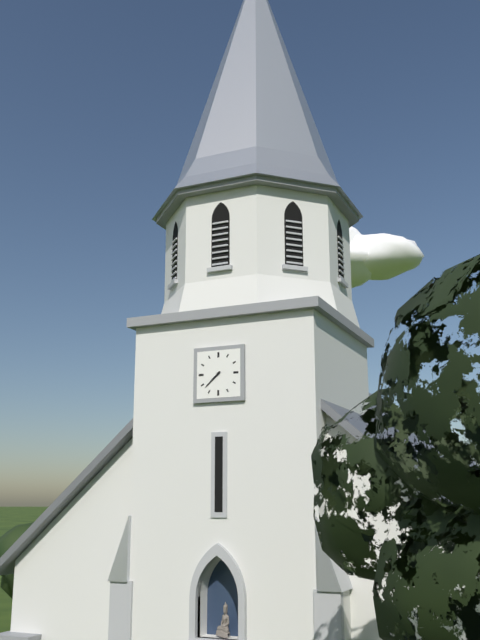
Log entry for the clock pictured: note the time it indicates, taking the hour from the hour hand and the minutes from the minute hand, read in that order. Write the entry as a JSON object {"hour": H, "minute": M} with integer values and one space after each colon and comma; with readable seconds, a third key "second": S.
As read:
{"hour": 7, "minute": 38}
